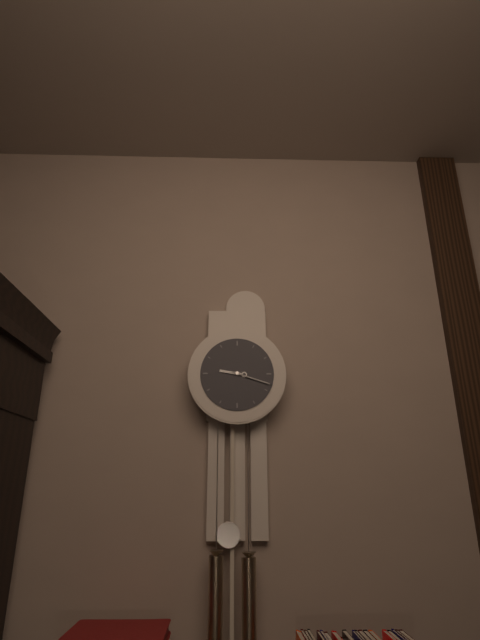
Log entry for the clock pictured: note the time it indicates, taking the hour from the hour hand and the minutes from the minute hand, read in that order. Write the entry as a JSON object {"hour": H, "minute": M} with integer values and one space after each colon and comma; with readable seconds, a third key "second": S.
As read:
{"hour": 9, "minute": 18}
